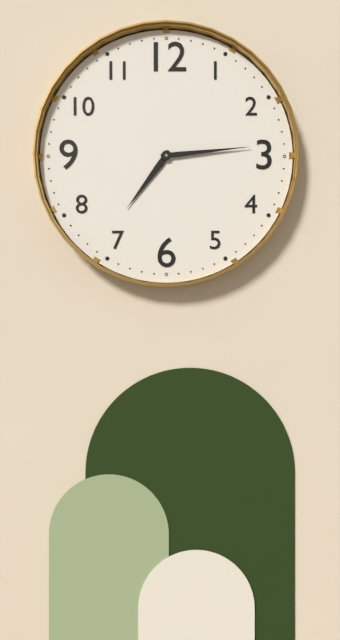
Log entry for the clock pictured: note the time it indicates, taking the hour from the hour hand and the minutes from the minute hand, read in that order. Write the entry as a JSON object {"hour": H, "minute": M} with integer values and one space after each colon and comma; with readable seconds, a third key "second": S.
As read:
{"hour": 7, "minute": 14}
